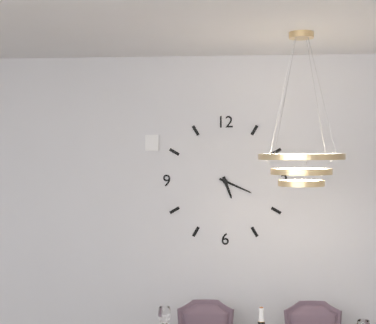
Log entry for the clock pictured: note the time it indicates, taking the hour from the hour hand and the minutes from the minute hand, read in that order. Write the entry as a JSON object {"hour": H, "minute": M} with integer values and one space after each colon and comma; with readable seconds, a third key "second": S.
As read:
{"hour": 5, "minute": 19}
